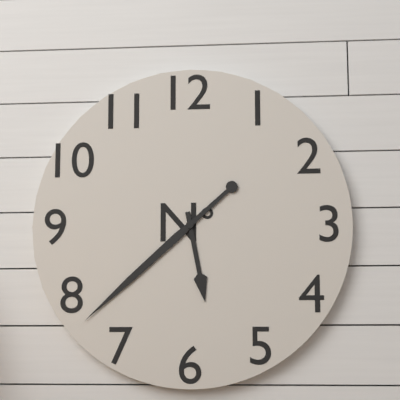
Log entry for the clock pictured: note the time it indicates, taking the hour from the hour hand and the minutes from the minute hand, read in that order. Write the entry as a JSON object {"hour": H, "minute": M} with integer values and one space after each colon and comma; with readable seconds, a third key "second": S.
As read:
{"hour": 5, "minute": 38}
